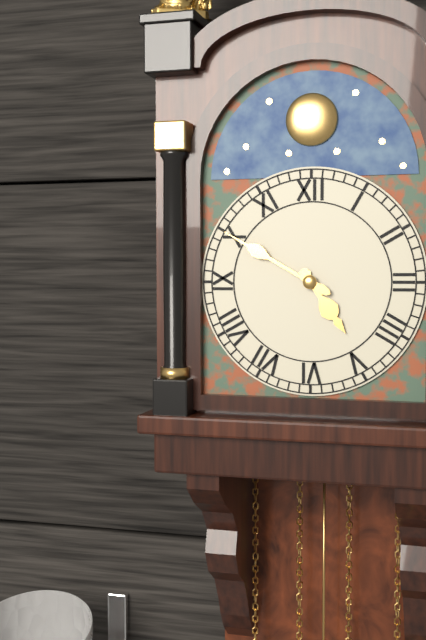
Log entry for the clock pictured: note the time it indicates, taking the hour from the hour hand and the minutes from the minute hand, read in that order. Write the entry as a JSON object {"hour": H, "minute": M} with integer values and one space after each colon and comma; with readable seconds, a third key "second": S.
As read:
{"hour": 4, "minute": 50}
